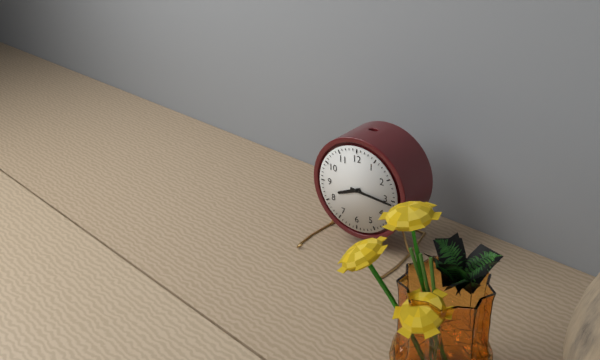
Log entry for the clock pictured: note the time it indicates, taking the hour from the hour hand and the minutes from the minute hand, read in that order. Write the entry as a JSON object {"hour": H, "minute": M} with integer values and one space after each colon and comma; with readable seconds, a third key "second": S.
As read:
{"hour": 8, "minute": 16}
